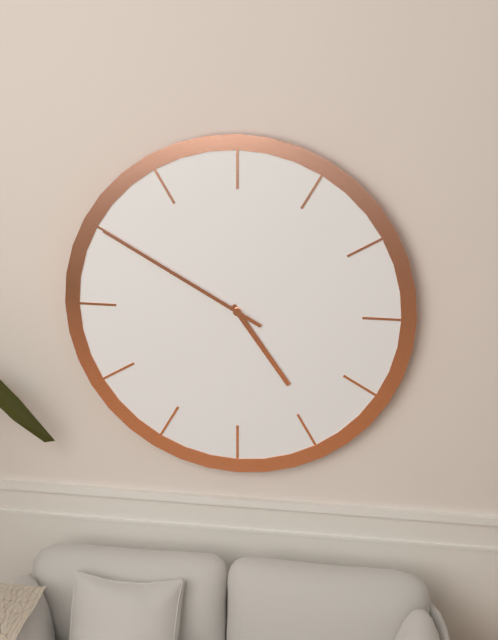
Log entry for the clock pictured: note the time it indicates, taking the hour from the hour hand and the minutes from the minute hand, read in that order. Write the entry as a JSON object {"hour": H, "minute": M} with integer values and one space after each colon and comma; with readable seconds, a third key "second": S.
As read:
{"hour": 4, "minute": 50}
